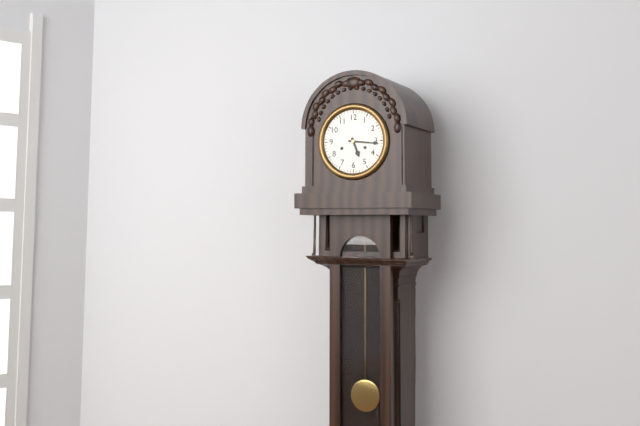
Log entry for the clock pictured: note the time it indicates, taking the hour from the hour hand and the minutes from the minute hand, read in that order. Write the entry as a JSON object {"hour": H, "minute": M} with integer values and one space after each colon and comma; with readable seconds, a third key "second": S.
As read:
{"hour": 5, "minute": 16}
